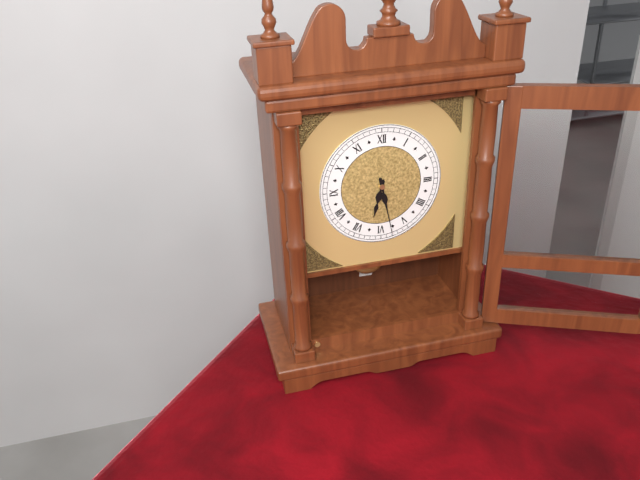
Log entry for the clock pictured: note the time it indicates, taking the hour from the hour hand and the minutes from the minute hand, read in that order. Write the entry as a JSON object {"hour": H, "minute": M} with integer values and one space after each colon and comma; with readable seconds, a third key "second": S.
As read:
{"hour": 6, "minute": 28}
